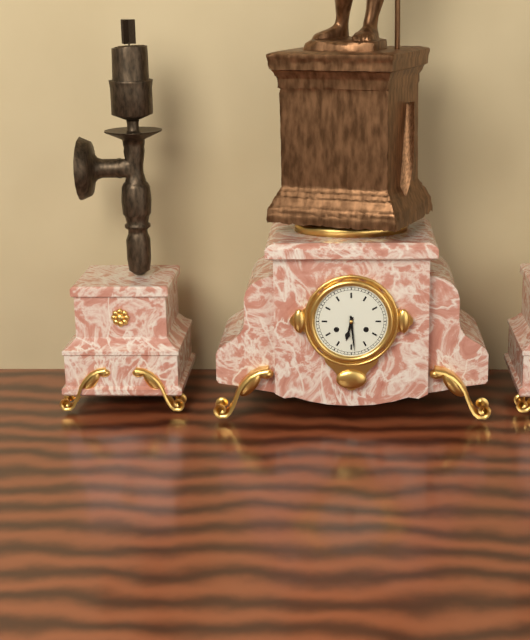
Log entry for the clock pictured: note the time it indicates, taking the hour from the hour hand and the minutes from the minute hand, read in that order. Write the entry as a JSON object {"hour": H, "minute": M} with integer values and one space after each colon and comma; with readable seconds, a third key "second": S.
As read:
{"hour": 6, "minute": 29}
